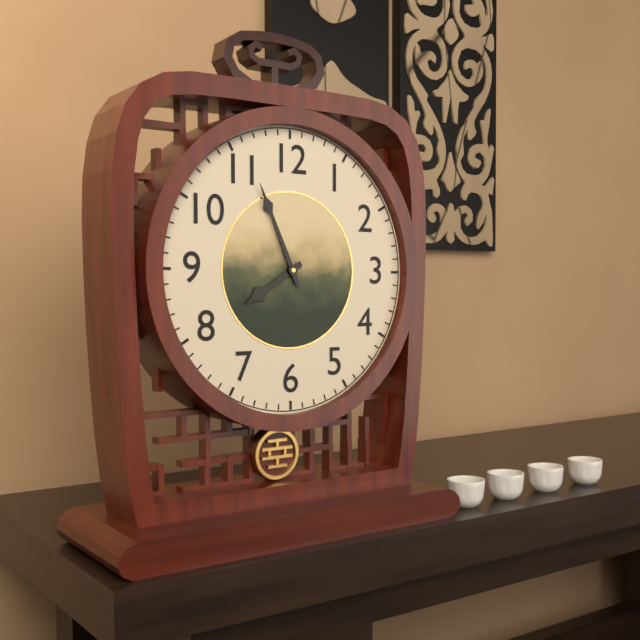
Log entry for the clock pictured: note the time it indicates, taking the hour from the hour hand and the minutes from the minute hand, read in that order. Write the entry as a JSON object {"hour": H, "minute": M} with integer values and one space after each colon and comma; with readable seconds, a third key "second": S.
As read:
{"hour": 7, "minute": 56}
